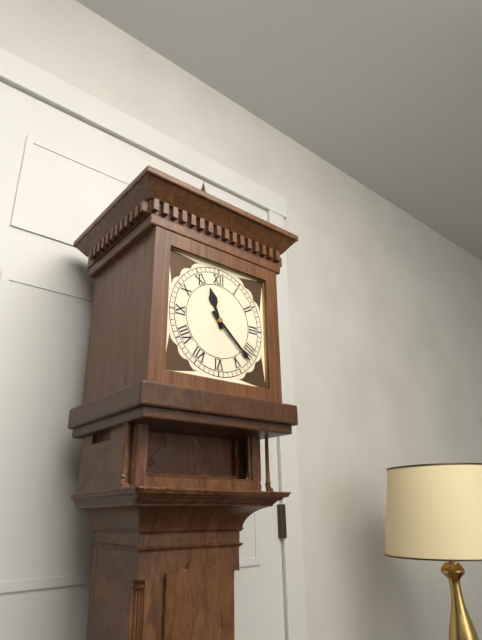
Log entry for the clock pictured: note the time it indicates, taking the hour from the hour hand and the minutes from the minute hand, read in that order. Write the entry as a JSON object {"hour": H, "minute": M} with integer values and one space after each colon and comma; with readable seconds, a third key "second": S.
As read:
{"hour": 11, "minute": 22}
